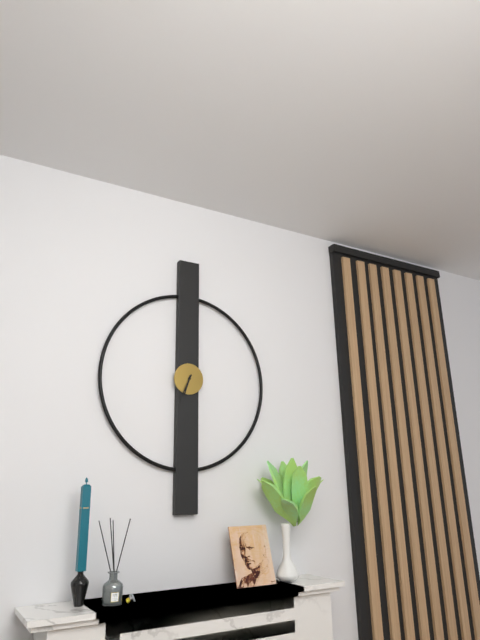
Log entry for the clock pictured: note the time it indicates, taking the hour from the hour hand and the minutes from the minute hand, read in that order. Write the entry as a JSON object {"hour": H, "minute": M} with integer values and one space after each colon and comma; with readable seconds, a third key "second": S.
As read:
{"hour": 6, "minute": 34}
